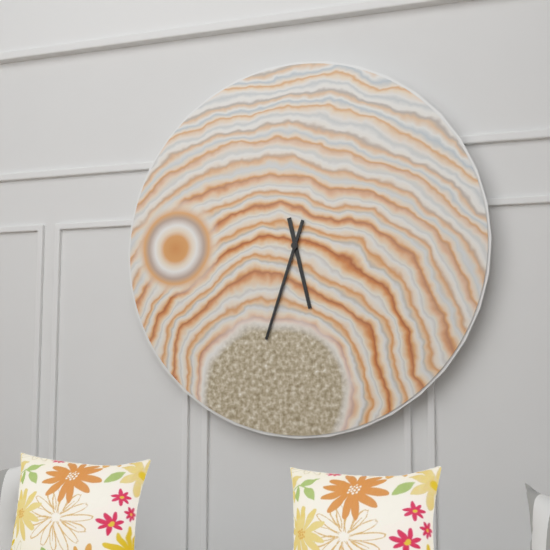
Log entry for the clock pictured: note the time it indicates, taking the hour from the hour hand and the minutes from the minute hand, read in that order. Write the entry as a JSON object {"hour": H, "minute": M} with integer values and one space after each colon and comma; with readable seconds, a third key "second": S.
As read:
{"hour": 5, "minute": 33}
